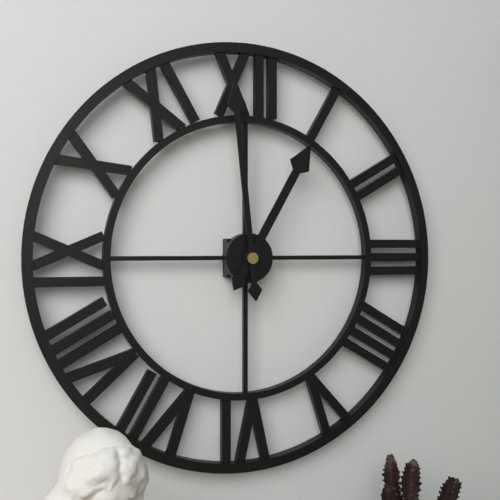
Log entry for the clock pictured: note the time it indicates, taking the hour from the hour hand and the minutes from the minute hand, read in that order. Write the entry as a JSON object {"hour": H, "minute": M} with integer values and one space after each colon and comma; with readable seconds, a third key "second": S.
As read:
{"hour": 12, "minute": 59}
